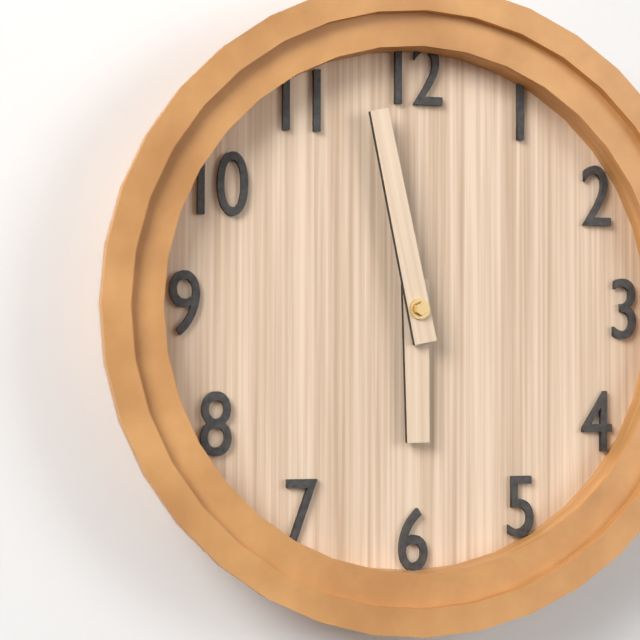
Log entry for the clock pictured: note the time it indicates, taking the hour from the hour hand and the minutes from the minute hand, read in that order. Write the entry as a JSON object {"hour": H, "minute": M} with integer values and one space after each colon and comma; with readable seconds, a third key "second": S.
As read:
{"hour": 5, "minute": 58}
